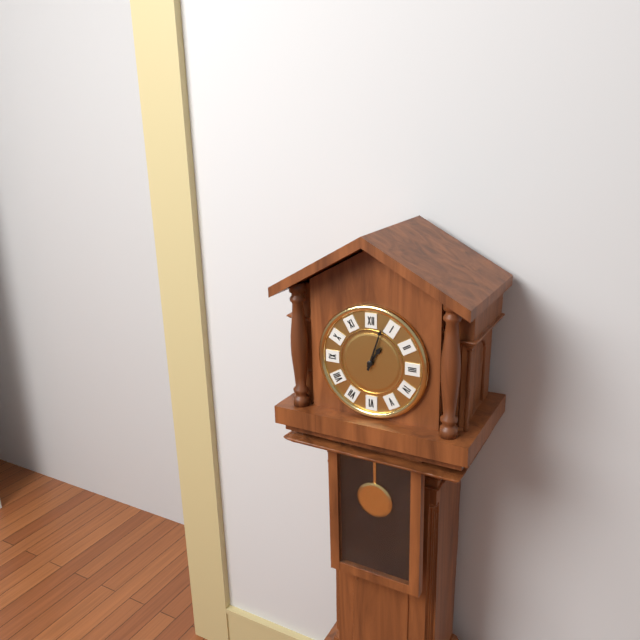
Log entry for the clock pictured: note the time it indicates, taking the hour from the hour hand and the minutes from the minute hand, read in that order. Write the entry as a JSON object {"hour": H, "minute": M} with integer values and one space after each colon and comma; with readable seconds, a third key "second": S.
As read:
{"hour": 1, "minute": 3}
